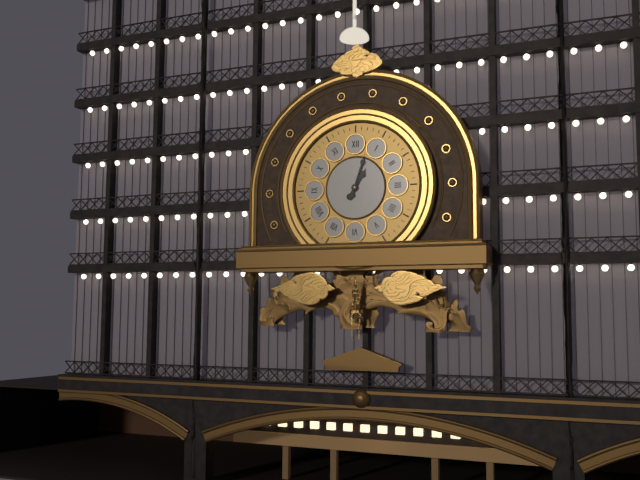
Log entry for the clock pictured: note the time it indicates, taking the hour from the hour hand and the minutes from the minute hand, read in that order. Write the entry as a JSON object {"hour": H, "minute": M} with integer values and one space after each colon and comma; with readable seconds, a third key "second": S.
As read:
{"hour": 1, "minute": 3}
